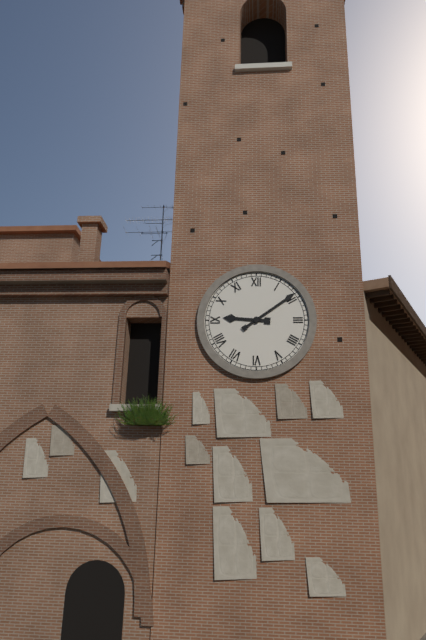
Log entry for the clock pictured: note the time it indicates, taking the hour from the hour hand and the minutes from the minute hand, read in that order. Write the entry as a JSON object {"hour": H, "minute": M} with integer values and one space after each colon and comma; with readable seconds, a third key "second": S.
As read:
{"hour": 9, "minute": 9}
